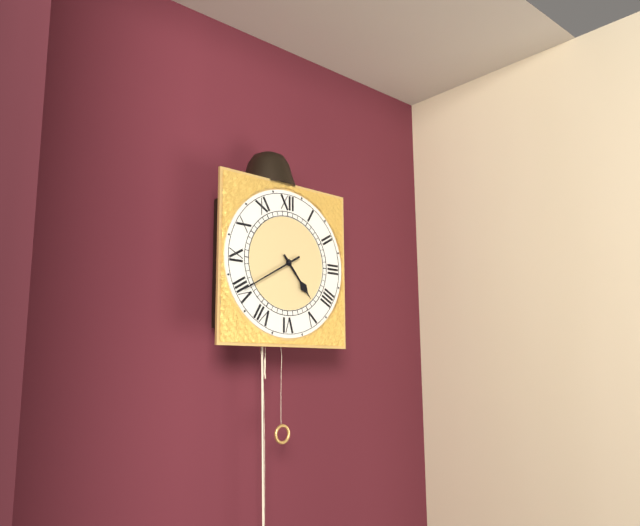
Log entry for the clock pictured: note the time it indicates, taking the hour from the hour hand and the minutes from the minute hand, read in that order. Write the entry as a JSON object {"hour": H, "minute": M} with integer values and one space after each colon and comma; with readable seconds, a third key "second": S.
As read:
{"hour": 4, "minute": 40}
